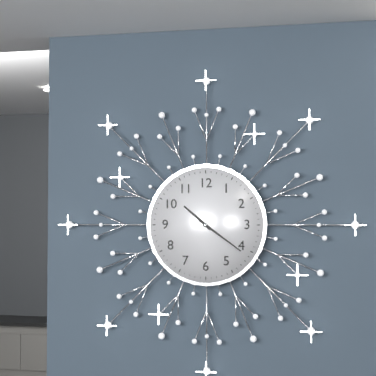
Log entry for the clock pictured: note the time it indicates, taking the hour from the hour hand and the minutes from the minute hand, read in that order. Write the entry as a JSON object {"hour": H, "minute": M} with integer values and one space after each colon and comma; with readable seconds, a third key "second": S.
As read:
{"hour": 10, "minute": 21}
